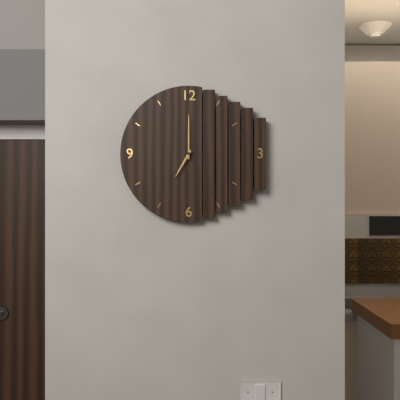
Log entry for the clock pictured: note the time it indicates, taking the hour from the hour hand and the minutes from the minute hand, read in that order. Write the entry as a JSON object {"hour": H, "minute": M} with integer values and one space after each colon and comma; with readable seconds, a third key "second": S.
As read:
{"hour": 7, "minute": 0}
